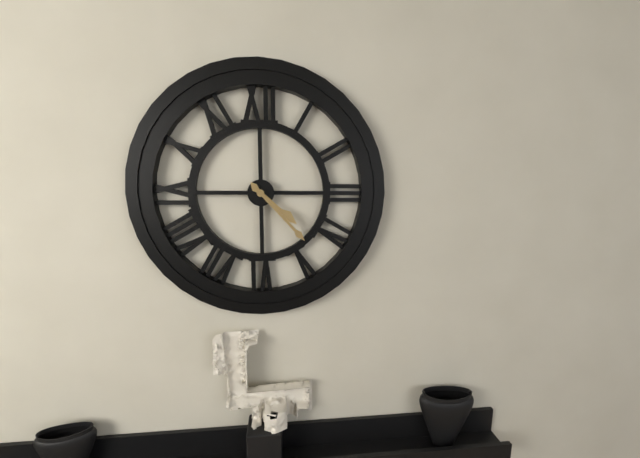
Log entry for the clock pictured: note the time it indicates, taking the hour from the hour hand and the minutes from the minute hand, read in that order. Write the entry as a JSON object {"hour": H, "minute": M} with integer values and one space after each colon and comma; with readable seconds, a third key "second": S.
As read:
{"hour": 4, "minute": 23}
